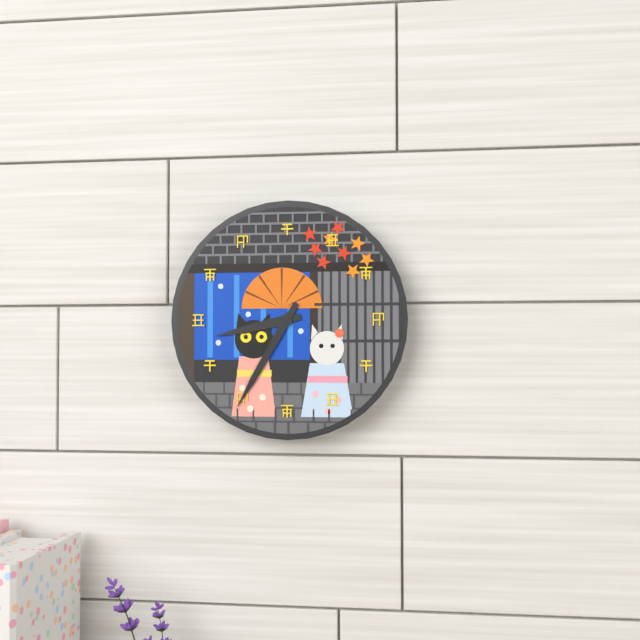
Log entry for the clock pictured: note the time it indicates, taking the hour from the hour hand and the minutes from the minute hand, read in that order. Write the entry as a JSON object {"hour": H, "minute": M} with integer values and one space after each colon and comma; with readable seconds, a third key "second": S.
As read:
{"hour": 8, "minute": 35}
